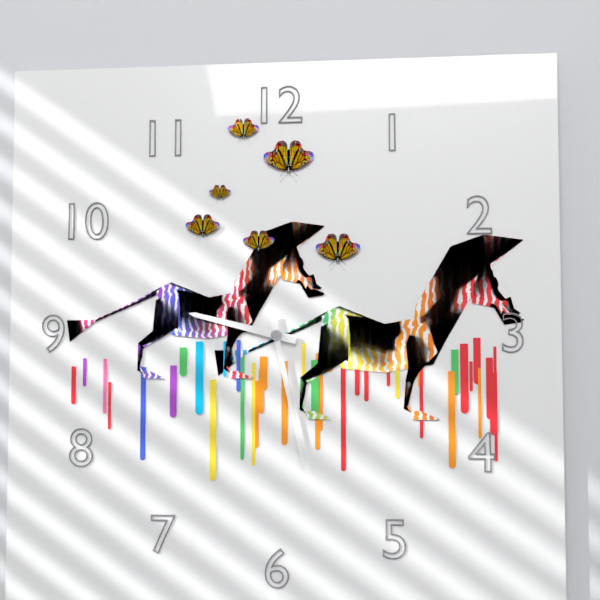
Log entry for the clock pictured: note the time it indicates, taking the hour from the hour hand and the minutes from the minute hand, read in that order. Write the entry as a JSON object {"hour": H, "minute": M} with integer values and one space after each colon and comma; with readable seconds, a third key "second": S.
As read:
{"hour": 9, "minute": 28}
